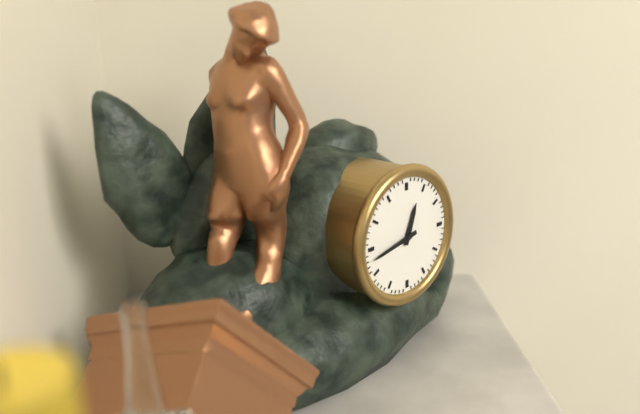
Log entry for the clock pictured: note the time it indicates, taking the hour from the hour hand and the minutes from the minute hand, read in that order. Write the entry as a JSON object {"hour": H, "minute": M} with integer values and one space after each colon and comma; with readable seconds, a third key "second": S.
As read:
{"hour": 12, "minute": 43}
